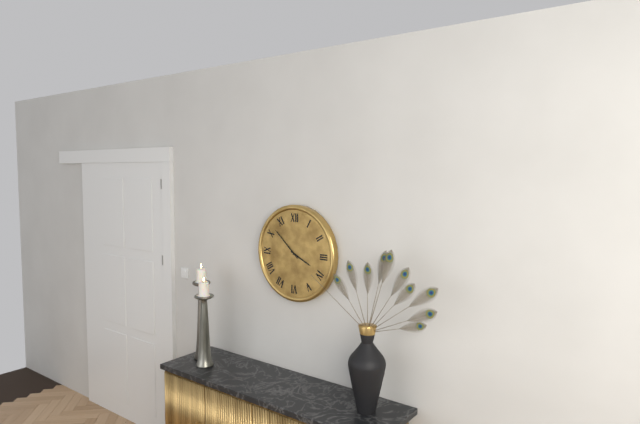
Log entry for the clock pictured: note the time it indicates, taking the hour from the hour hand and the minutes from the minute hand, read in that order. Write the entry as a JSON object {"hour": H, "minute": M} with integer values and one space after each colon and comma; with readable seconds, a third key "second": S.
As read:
{"hour": 3, "minute": 52}
